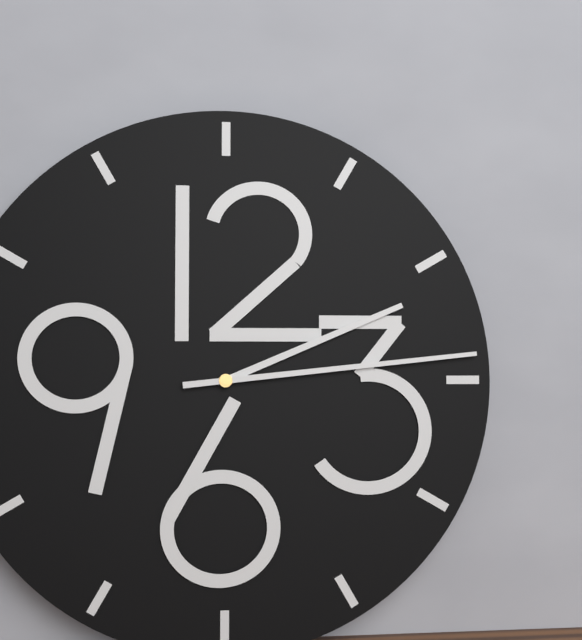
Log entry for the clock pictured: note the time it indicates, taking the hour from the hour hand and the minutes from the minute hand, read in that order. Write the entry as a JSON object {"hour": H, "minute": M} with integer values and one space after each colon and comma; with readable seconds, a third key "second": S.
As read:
{"hour": 2, "minute": 14}
